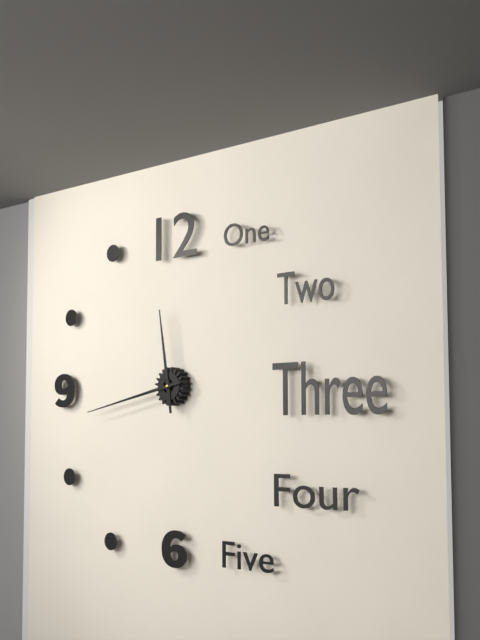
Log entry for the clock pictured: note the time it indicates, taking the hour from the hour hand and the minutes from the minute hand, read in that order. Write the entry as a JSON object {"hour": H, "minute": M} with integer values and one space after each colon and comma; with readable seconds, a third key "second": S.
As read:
{"hour": 11, "minute": 43}
